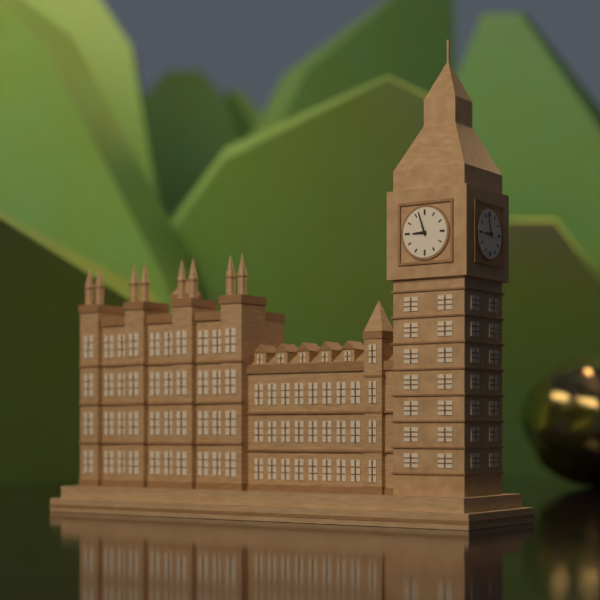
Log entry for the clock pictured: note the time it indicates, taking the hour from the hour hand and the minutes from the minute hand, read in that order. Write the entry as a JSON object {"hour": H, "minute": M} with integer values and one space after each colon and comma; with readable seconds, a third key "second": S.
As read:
{"hour": 8, "minute": 57}
